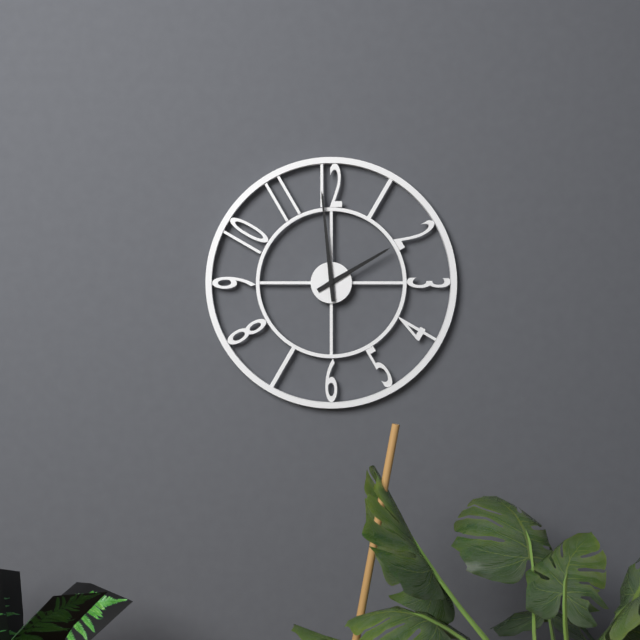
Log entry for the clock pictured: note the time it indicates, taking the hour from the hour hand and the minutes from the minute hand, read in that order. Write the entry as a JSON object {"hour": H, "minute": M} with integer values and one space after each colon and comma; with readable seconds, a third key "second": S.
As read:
{"hour": 1, "minute": 59}
